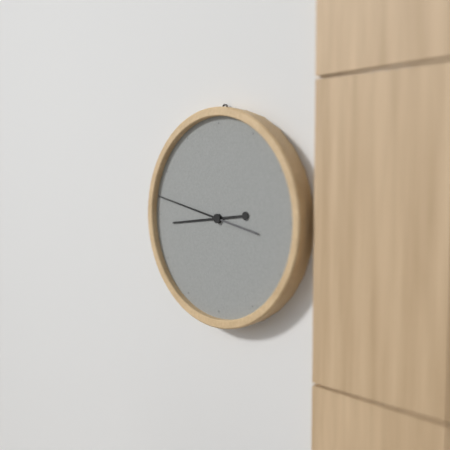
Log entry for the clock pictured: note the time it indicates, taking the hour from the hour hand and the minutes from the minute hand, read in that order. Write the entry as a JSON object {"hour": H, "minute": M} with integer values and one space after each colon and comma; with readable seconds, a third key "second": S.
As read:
{"hour": 8, "minute": 47}
